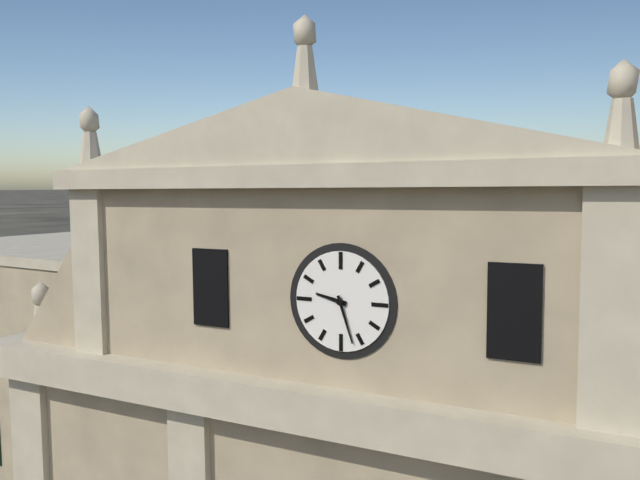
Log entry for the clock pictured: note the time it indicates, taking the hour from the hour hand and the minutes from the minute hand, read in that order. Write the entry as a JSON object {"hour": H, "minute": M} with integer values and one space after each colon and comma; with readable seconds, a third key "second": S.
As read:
{"hour": 9, "minute": 27}
